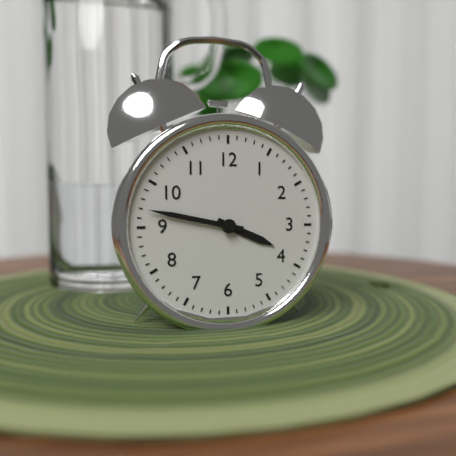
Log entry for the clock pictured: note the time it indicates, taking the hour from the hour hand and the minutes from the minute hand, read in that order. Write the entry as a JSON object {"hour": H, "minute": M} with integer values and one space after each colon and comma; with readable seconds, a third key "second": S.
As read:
{"hour": 3, "minute": 47}
